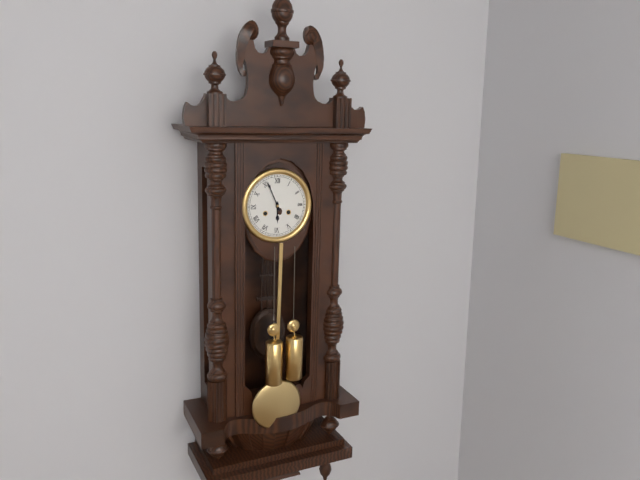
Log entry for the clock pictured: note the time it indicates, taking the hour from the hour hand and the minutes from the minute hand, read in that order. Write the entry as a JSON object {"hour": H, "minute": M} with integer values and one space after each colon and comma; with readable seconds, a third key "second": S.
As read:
{"hour": 5, "minute": 56}
